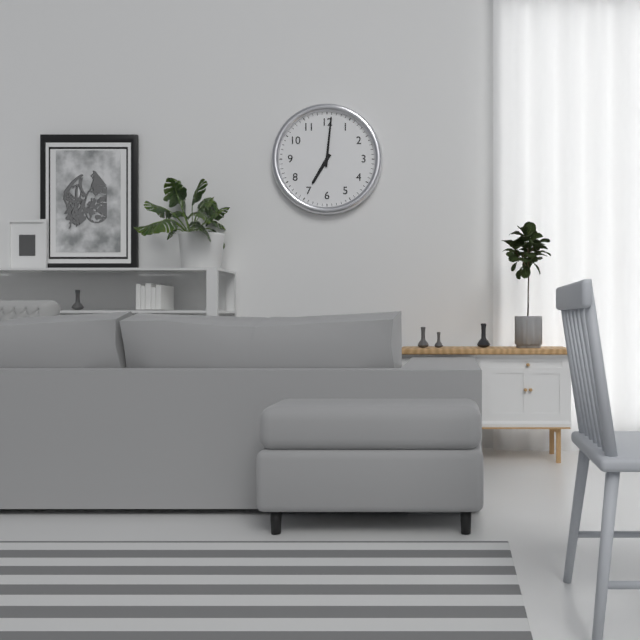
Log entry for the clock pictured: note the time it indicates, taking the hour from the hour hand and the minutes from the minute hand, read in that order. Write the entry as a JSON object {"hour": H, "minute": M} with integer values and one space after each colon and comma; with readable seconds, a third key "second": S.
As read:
{"hour": 7, "minute": 1}
